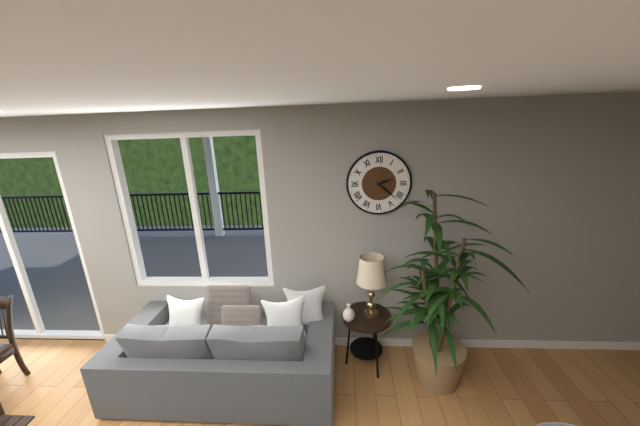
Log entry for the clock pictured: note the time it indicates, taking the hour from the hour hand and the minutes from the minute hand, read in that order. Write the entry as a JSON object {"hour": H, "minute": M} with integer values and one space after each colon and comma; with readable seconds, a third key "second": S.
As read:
{"hour": 2, "minute": 22}
